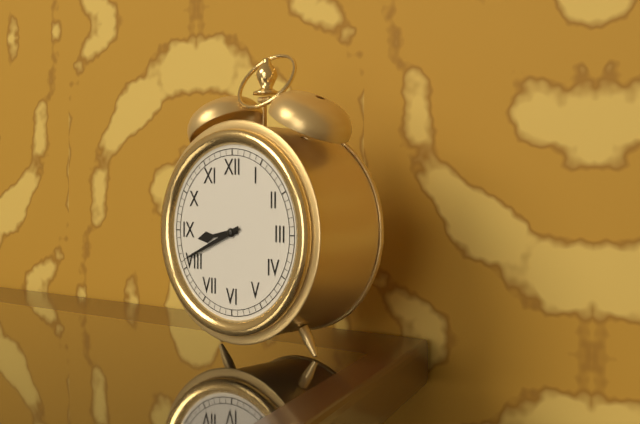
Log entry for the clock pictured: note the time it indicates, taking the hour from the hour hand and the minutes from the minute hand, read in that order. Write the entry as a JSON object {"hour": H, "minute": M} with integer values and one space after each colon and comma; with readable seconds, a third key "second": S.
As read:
{"hour": 8, "minute": 41}
